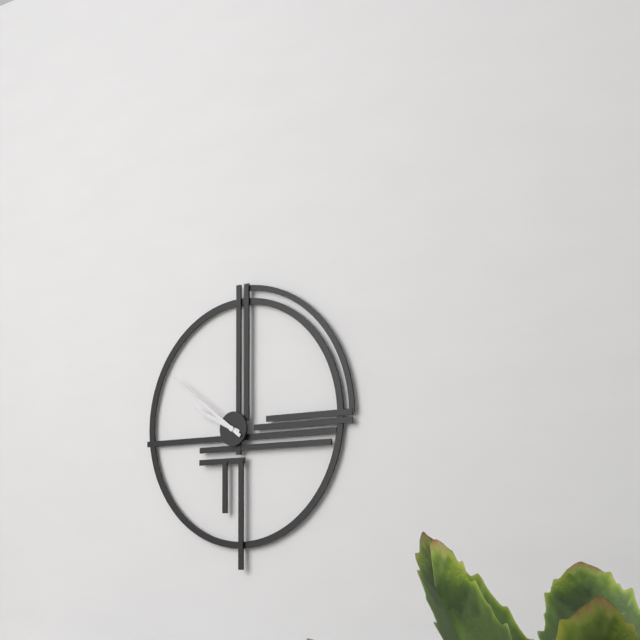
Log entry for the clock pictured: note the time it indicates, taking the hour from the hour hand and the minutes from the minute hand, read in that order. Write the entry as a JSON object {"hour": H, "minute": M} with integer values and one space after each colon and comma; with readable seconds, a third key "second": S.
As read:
{"hour": 9, "minute": 51}
